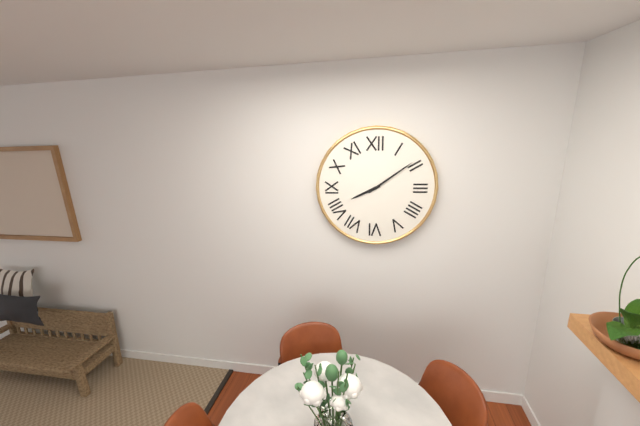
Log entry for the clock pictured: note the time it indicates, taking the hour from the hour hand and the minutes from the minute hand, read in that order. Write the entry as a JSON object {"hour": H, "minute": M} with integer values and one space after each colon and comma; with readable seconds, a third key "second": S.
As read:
{"hour": 8, "minute": 9}
